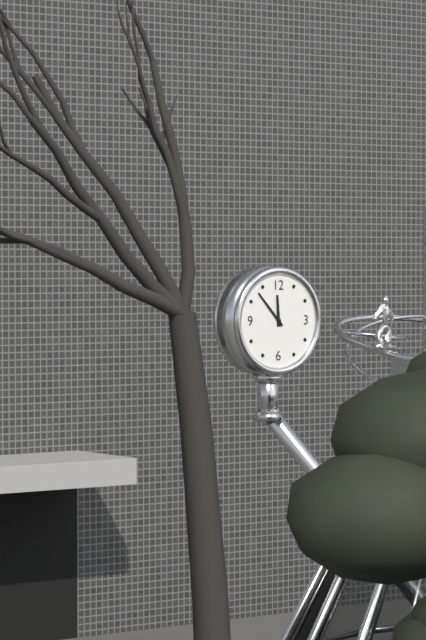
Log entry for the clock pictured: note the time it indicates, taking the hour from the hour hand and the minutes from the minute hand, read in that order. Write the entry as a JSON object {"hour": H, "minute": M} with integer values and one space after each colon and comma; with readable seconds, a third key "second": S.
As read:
{"hour": 11, "minute": 53}
